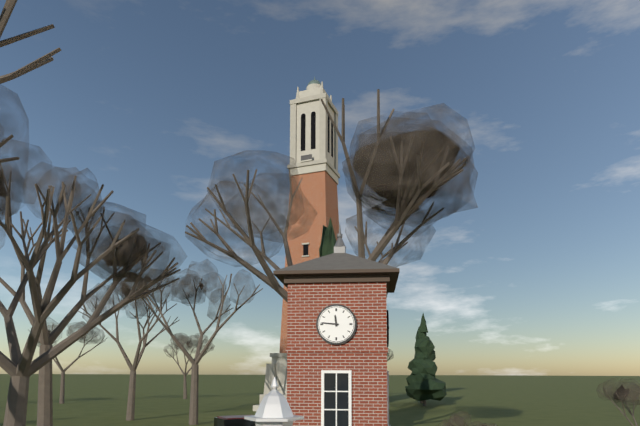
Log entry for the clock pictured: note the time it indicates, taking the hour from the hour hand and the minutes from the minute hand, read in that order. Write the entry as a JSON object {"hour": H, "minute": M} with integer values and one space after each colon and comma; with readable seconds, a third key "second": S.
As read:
{"hour": 11, "minute": 46}
